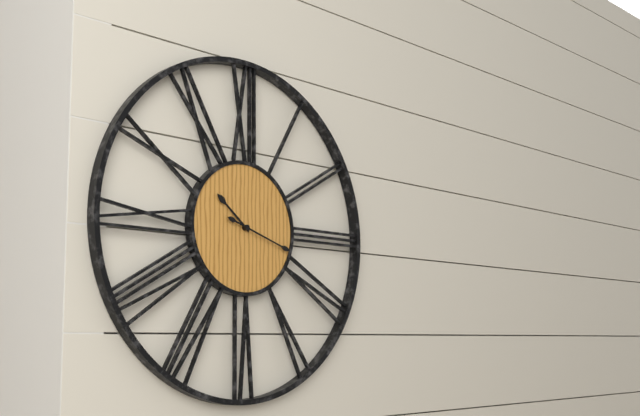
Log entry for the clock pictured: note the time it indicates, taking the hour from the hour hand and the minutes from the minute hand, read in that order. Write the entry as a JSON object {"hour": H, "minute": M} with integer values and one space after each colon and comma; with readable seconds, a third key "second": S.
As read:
{"hour": 10, "minute": 18}
